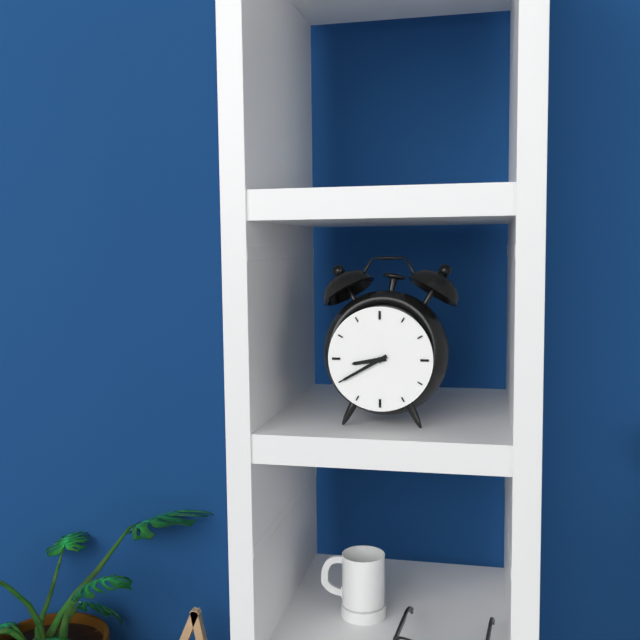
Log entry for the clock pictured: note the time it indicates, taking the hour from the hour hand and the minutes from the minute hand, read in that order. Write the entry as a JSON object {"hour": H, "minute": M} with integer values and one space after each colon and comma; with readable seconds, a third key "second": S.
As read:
{"hour": 8, "minute": 40}
